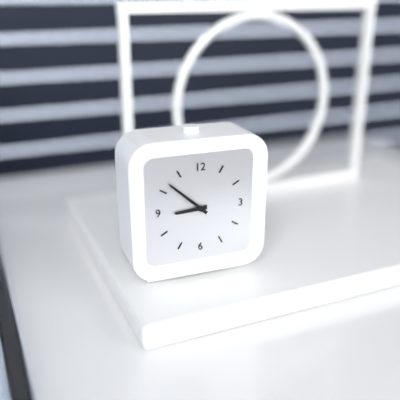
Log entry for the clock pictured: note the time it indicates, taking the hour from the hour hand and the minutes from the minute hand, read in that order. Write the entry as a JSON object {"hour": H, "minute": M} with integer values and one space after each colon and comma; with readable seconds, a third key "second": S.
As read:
{"hour": 8, "minute": 52}
